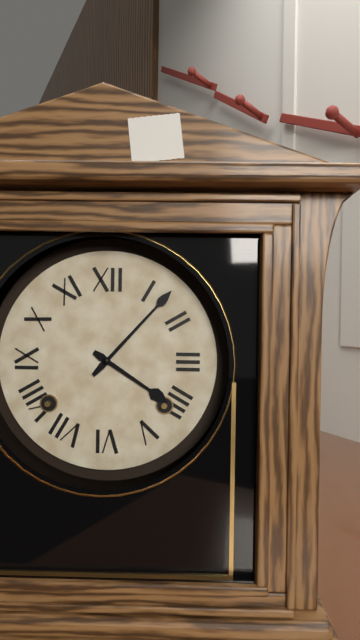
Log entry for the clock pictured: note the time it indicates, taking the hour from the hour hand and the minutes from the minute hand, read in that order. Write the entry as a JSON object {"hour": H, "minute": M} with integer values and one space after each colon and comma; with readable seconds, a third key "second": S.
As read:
{"hour": 4, "minute": 7}
